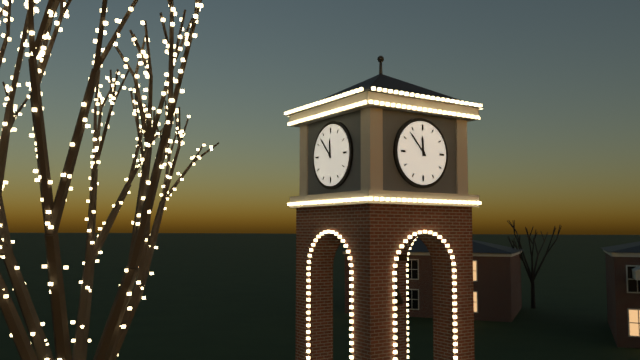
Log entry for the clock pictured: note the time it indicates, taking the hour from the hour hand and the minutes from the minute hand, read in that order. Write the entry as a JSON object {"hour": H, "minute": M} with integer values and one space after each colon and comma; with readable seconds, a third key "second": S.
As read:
{"hour": 11, "minute": 53}
